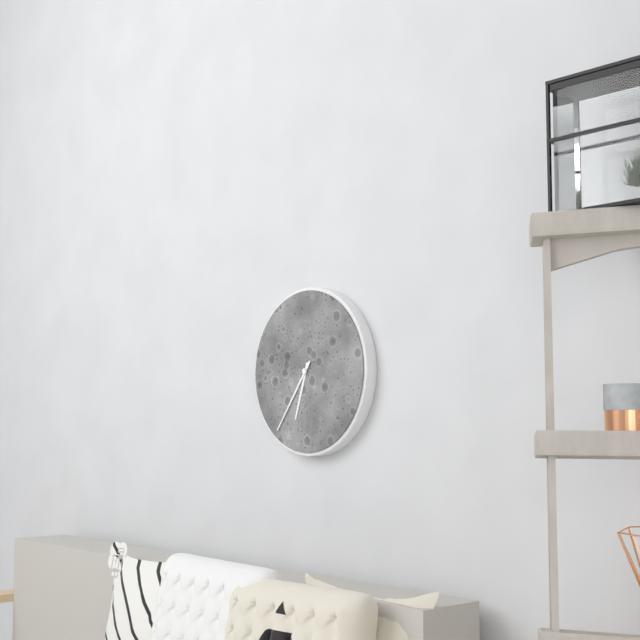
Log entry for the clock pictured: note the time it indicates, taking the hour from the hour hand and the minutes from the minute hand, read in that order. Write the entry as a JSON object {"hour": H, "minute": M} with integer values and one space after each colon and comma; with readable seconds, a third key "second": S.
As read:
{"hour": 6, "minute": 36}
